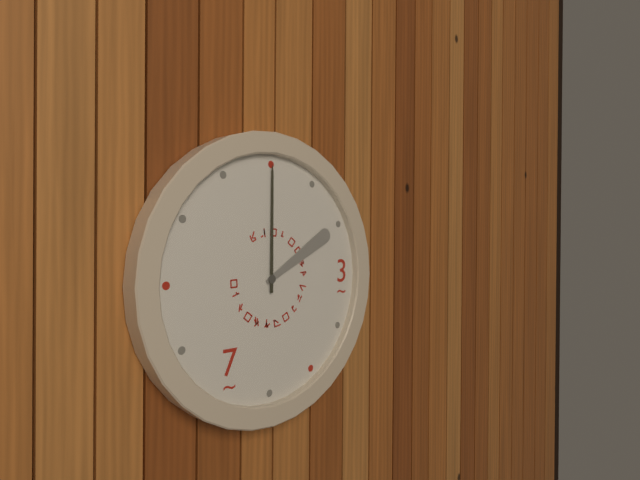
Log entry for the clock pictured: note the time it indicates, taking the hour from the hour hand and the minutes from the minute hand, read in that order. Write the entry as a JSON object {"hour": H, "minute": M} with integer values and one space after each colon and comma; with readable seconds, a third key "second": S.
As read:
{"hour": 2, "minute": 0}
